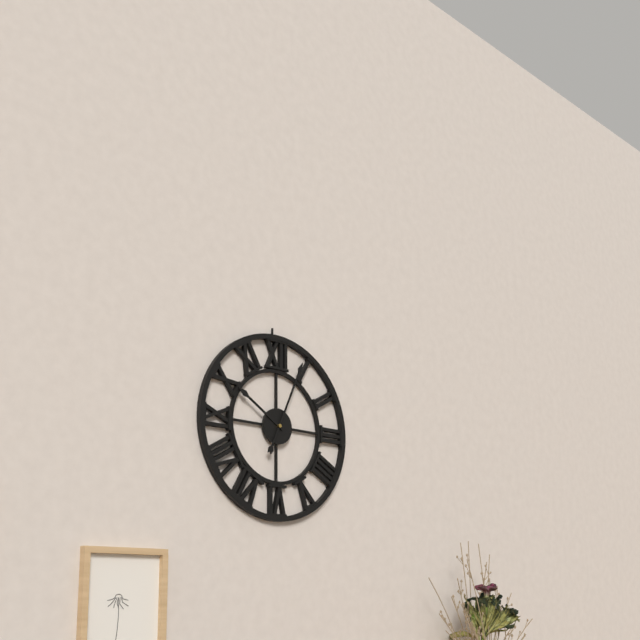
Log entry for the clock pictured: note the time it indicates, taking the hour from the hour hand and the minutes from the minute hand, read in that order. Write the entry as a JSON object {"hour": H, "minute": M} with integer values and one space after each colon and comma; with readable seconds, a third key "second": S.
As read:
{"hour": 10, "minute": 4}
